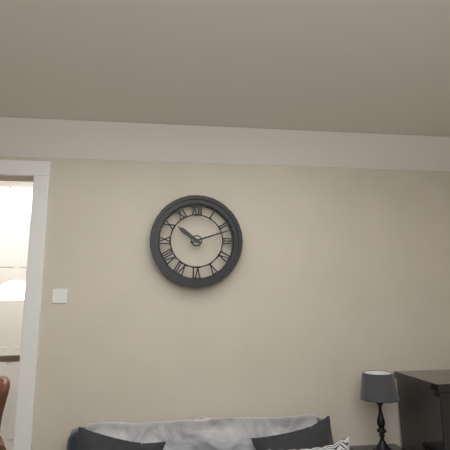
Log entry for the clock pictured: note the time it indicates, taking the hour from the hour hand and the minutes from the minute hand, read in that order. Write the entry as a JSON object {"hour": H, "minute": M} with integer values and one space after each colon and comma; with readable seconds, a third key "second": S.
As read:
{"hour": 10, "minute": 12}
